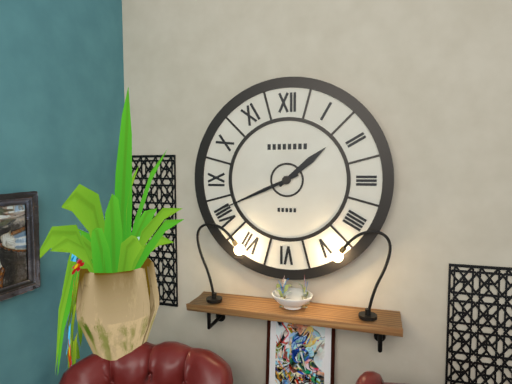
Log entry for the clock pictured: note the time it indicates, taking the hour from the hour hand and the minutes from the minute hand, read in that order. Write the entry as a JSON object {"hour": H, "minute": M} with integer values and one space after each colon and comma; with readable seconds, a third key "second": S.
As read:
{"hour": 1, "minute": 41}
